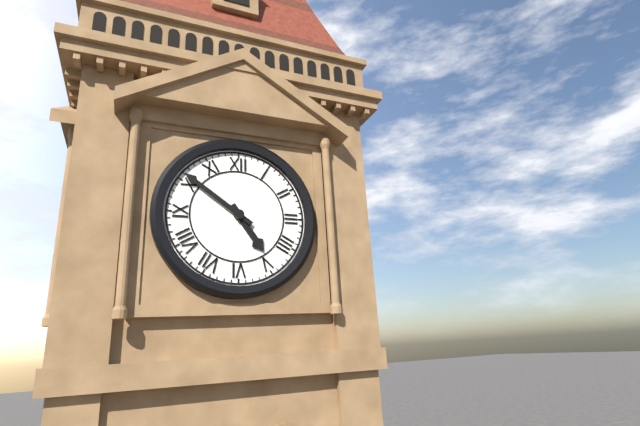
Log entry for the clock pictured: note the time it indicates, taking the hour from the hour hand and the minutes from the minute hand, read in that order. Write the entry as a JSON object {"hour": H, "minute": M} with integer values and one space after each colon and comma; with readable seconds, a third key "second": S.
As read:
{"hour": 4, "minute": 51}
